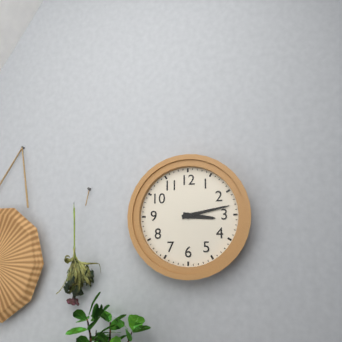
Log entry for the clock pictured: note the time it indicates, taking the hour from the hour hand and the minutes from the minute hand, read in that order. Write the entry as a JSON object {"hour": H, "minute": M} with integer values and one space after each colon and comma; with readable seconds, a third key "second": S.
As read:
{"hour": 3, "minute": 13}
